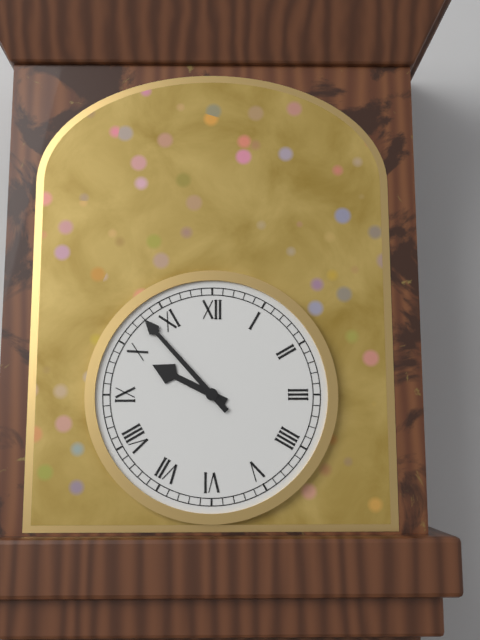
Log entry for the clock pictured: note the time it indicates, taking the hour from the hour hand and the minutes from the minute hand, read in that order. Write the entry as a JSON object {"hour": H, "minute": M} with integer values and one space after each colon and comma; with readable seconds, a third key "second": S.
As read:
{"hour": 9, "minute": 53}
